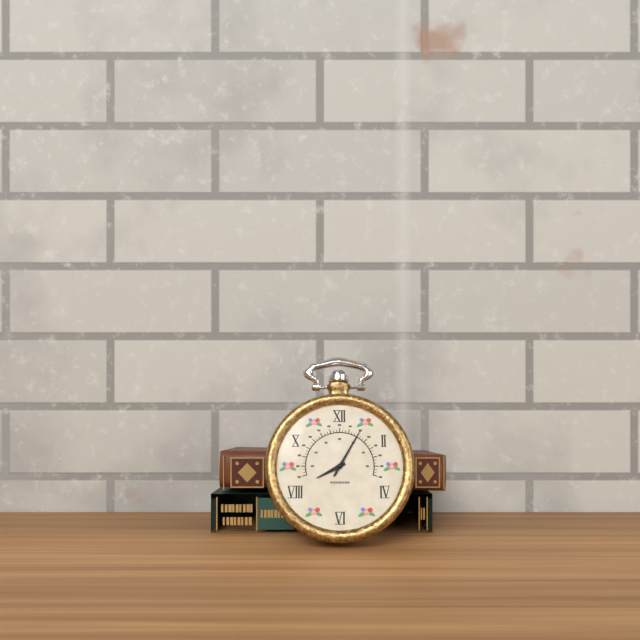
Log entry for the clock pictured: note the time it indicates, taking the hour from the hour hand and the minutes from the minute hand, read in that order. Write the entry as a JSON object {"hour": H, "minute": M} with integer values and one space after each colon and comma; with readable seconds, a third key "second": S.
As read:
{"hour": 8, "minute": 5}
